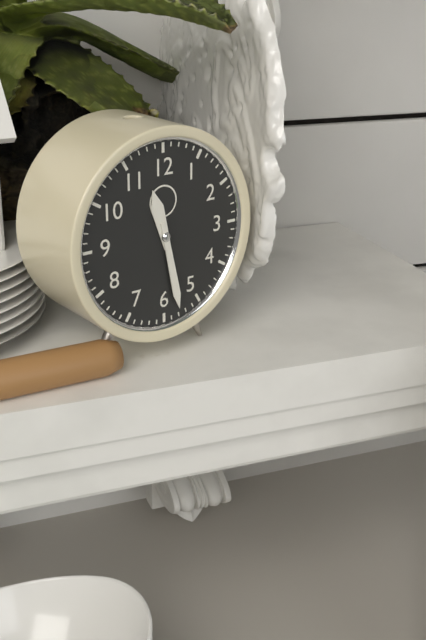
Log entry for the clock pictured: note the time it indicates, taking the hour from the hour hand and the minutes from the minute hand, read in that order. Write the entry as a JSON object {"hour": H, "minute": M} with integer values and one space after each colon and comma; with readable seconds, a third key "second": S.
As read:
{"hour": 11, "minute": 28}
